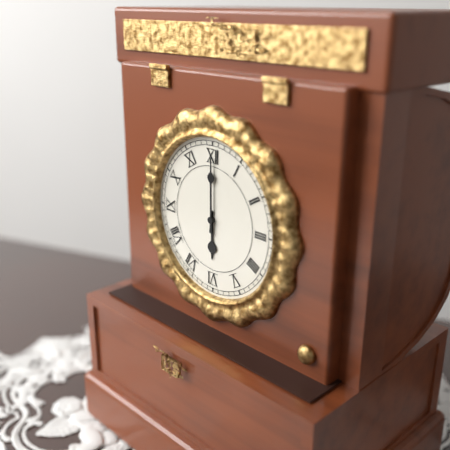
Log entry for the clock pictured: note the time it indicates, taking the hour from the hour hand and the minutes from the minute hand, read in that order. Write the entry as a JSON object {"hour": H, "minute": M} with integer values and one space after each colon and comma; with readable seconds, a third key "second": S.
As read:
{"hour": 6, "minute": 0}
